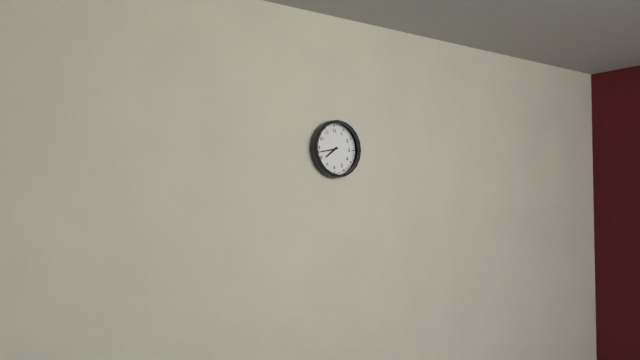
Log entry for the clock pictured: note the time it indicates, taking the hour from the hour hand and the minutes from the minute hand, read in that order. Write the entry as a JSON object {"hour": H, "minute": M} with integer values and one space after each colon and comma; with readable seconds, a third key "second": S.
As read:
{"hour": 7, "minute": 43}
